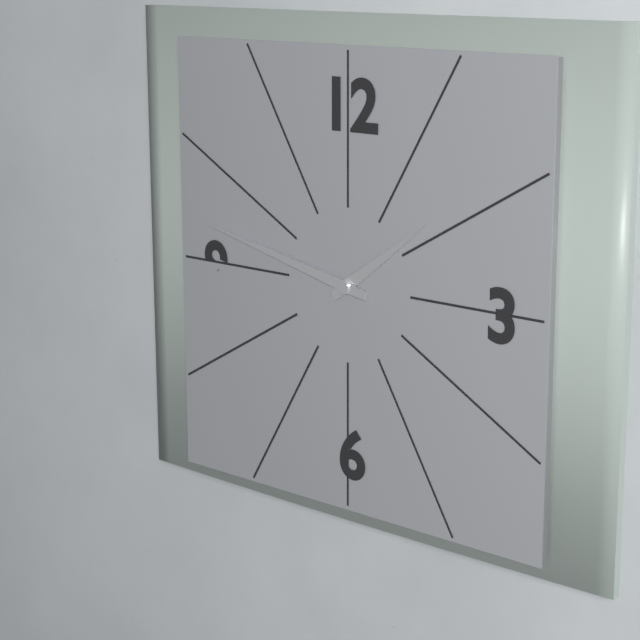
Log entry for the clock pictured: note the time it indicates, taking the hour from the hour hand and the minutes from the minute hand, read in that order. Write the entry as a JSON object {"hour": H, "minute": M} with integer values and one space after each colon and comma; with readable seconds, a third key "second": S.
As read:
{"hour": 1, "minute": 47}
